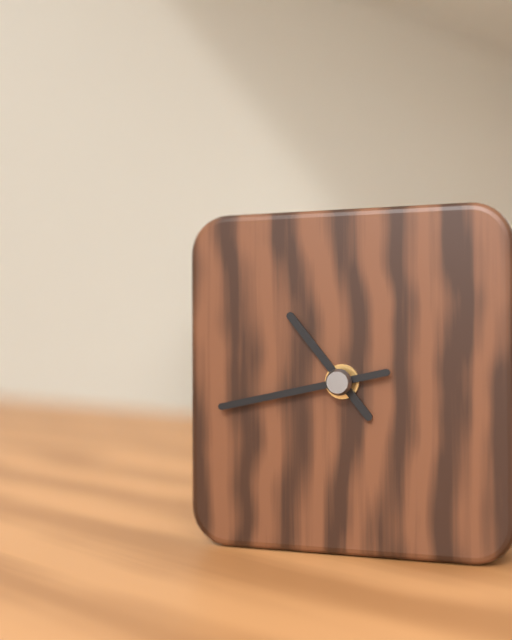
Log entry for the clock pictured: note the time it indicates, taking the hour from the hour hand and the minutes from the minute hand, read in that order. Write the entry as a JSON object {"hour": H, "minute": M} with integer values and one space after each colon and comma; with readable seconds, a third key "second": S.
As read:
{"hour": 10, "minute": 43}
